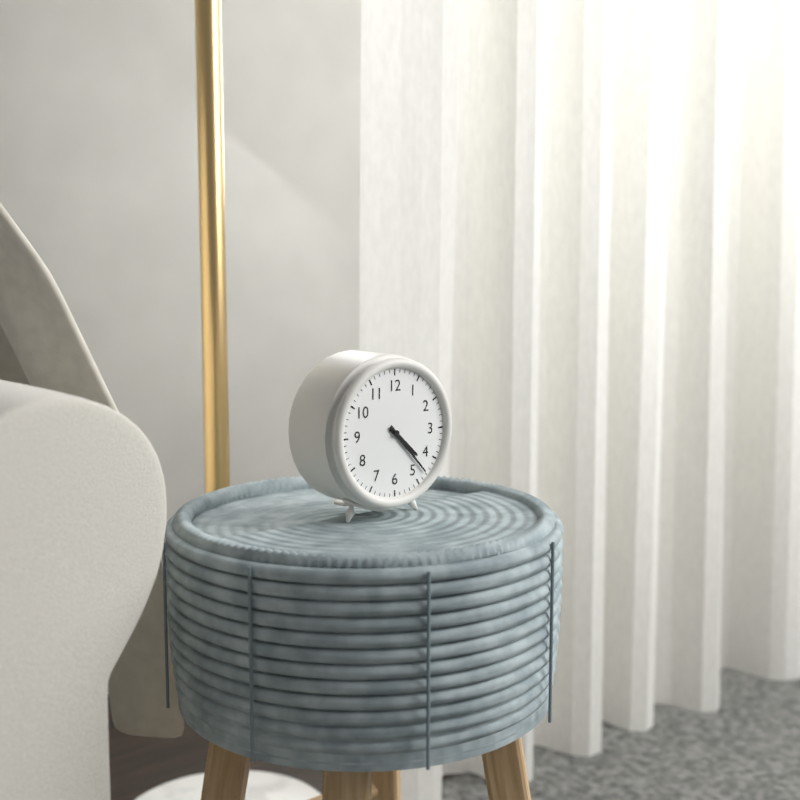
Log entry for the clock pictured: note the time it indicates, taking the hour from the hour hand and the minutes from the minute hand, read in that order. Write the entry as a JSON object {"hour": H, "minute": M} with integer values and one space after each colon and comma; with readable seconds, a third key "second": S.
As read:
{"hour": 4, "minute": 23}
